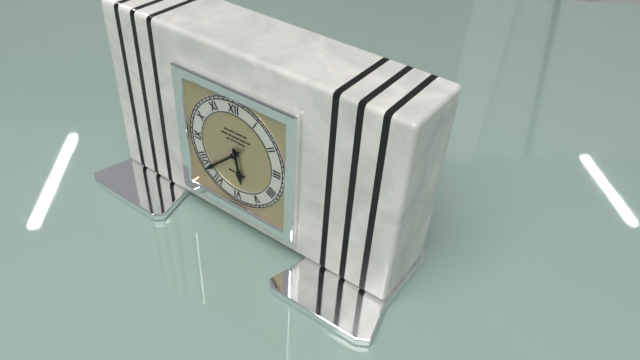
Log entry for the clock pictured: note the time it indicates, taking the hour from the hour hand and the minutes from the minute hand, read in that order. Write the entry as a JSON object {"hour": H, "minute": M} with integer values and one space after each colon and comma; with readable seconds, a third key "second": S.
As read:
{"hour": 5, "minute": 38}
